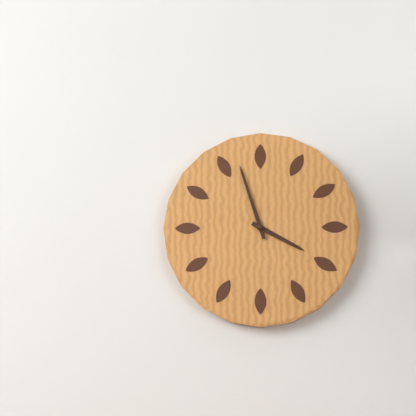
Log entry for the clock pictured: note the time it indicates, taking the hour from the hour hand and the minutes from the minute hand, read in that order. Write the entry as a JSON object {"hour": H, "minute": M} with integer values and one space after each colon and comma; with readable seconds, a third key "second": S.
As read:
{"hour": 3, "minute": 57}
